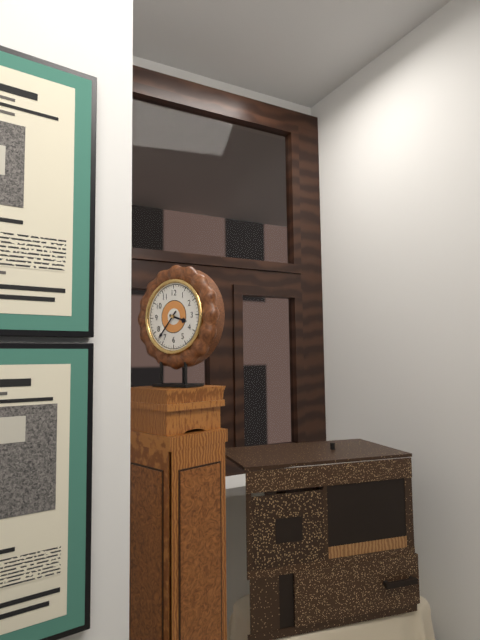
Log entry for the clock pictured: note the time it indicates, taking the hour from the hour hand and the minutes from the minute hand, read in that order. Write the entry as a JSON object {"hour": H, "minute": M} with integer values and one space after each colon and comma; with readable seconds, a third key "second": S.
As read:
{"hour": 3, "minute": 37}
